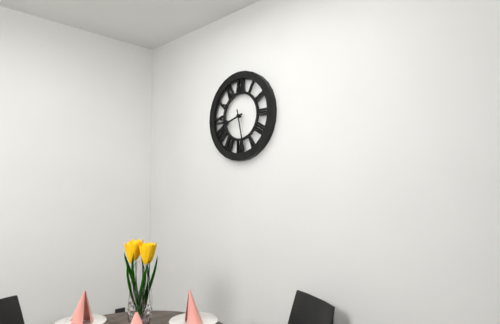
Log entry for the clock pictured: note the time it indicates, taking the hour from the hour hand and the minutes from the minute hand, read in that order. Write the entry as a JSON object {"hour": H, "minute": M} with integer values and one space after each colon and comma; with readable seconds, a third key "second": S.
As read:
{"hour": 8, "minute": 28}
